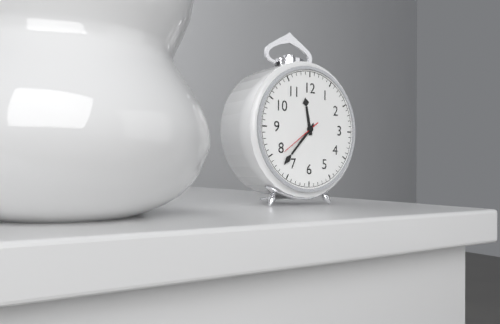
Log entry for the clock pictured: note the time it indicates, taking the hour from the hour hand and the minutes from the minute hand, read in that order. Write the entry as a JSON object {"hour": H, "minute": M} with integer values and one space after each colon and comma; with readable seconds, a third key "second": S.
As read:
{"hour": 11, "minute": 37}
